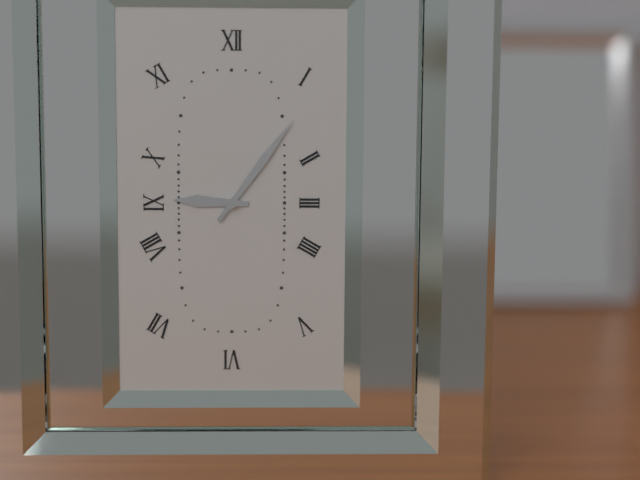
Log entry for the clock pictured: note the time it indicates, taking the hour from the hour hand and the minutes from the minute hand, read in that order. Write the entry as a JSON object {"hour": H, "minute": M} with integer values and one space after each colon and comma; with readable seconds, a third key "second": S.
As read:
{"hour": 9, "minute": 6}
